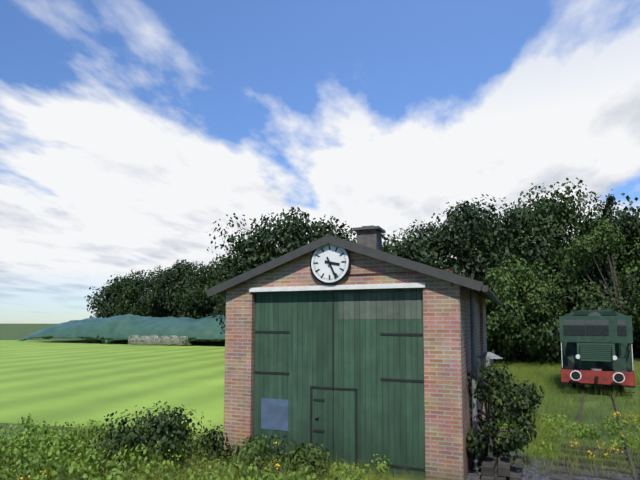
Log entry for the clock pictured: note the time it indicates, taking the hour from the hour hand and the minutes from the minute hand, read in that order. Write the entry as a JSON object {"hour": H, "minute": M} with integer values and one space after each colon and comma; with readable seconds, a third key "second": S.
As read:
{"hour": 3, "minute": 26}
